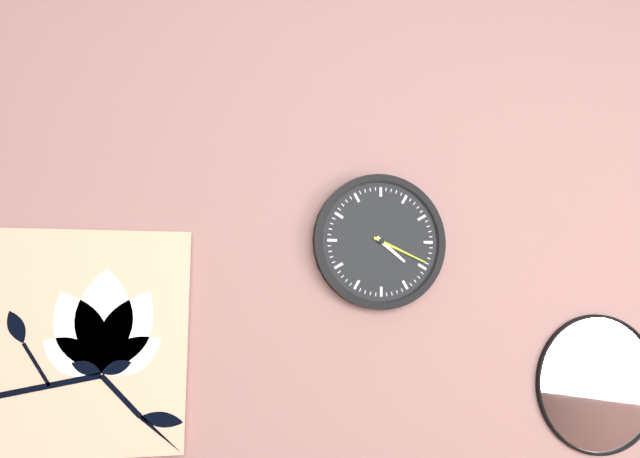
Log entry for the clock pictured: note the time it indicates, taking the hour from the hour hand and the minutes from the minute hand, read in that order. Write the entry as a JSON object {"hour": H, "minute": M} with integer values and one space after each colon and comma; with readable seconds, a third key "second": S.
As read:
{"hour": 4, "minute": 19}
